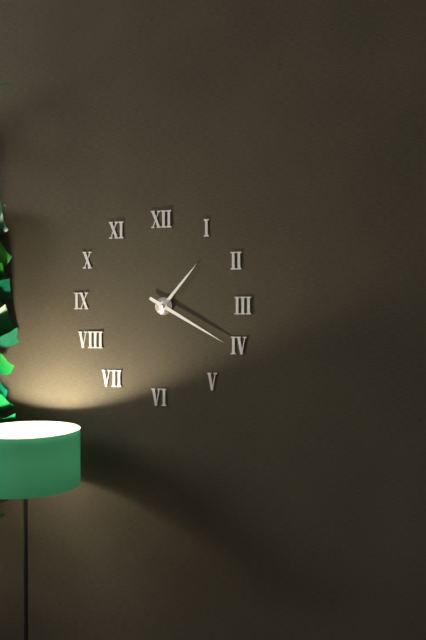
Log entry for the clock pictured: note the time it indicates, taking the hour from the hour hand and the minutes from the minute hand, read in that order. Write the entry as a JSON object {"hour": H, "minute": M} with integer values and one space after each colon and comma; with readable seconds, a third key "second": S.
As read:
{"hour": 1, "minute": 20}
